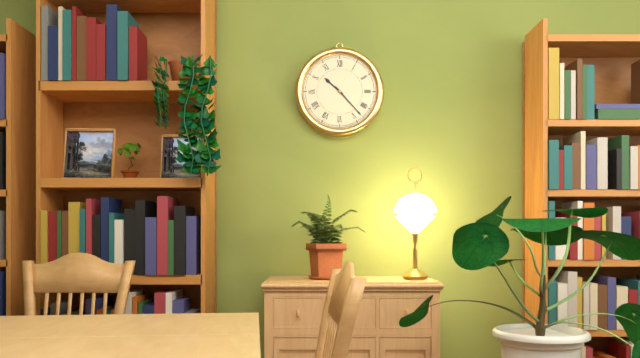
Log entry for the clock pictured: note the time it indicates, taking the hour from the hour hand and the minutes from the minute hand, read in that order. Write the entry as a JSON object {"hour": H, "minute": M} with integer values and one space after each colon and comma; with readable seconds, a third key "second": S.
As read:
{"hour": 10, "minute": 23}
